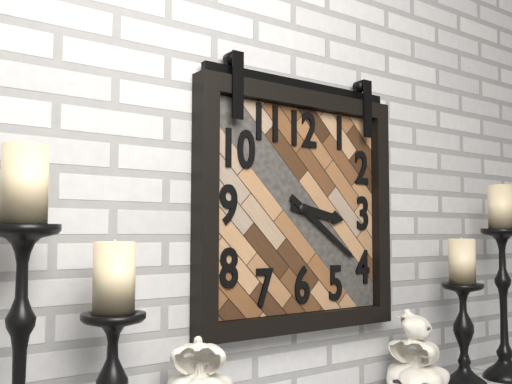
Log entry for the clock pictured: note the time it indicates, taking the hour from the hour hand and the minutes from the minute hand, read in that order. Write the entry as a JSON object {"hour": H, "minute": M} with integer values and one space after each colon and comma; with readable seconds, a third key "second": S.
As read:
{"hour": 3, "minute": 21}
